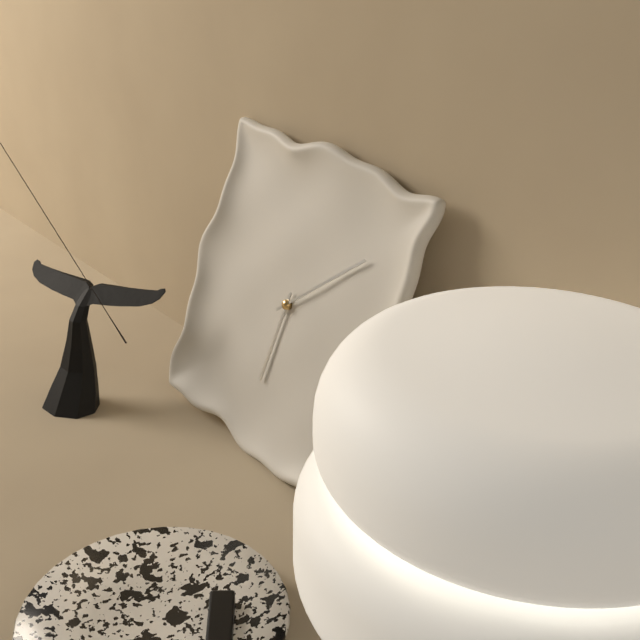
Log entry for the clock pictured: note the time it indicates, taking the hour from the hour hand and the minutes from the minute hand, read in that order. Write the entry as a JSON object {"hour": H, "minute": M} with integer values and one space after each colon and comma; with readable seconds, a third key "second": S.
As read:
{"hour": 6, "minute": 8}
